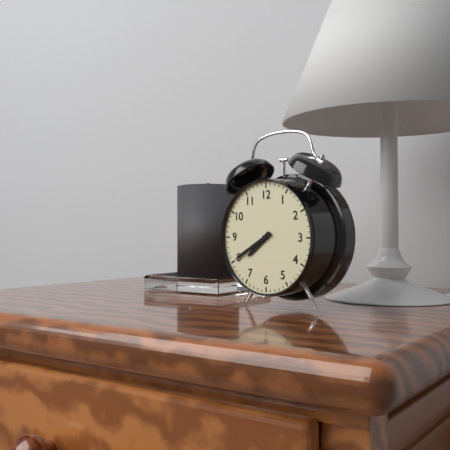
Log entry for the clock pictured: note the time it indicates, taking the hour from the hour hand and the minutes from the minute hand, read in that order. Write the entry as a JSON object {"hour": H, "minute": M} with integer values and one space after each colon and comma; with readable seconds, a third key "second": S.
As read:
{"hour": 7, "minute": 40}
